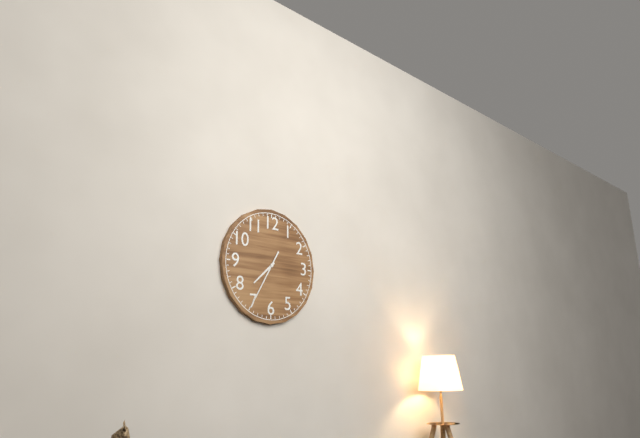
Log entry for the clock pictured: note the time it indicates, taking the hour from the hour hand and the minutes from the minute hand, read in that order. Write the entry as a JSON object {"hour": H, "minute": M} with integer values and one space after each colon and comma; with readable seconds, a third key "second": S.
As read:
{"hour": 7, "minute": 35}
